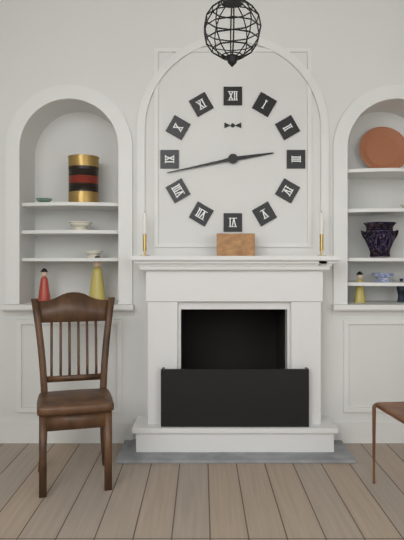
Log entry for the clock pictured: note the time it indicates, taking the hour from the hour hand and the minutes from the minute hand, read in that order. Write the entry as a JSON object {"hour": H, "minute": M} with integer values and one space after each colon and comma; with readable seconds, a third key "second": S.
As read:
{"hour": 2, "minute": 43}
